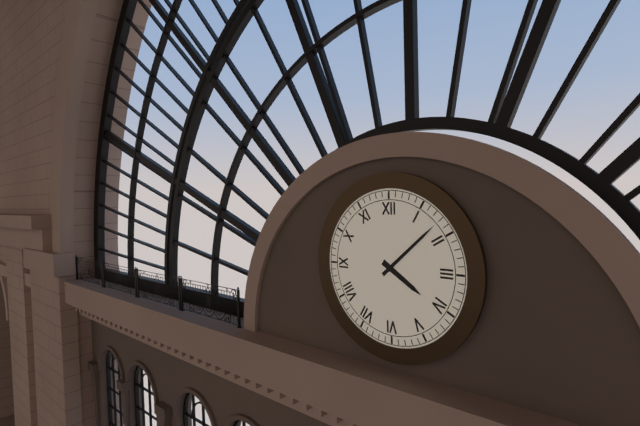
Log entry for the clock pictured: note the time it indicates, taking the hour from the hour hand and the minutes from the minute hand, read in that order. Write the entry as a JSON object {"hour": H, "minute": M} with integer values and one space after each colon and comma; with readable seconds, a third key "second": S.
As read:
{"hour": 4, "minute": 8}
